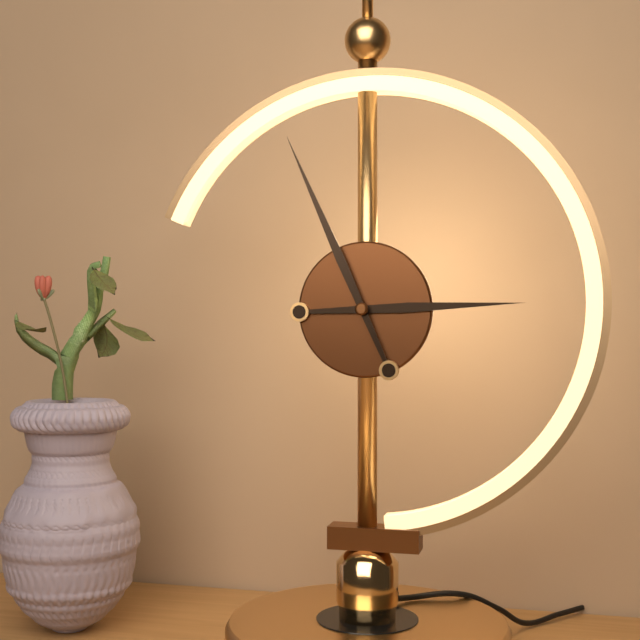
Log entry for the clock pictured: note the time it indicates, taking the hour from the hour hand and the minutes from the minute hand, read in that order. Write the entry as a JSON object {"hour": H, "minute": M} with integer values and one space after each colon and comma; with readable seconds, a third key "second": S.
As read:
{"hour": 2, "minute": 56}
